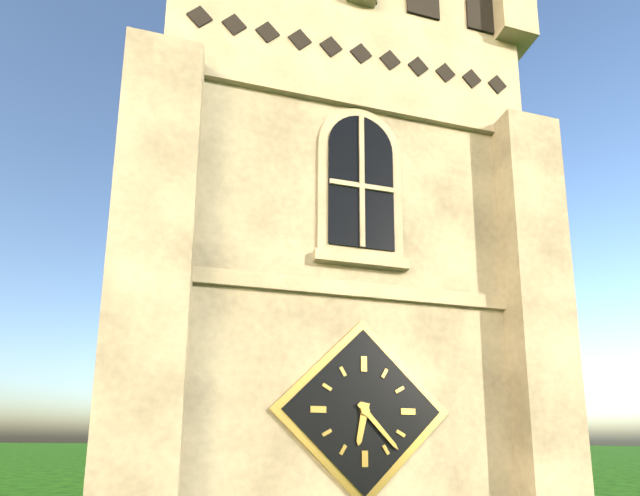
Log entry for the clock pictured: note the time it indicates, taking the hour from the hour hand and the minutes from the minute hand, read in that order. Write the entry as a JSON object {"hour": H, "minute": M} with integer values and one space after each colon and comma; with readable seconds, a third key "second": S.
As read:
{"hour": 6, "minute": 23}
